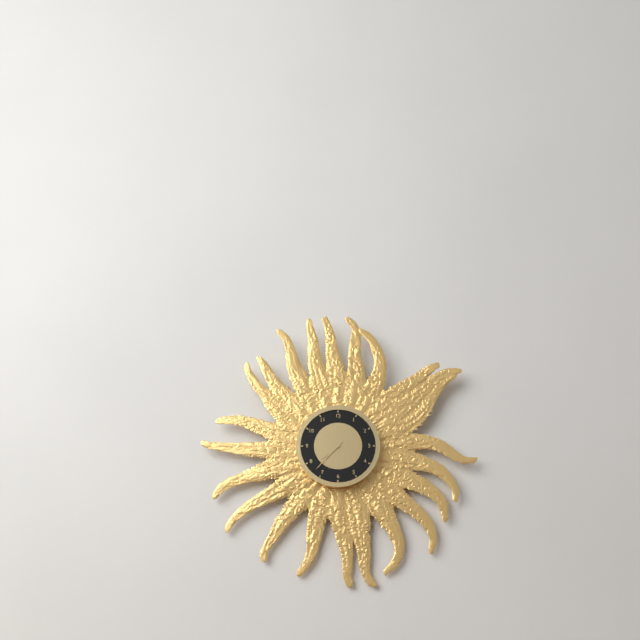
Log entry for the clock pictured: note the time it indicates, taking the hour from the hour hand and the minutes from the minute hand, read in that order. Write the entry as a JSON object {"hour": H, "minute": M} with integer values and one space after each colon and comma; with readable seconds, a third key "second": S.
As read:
{"hour": 7, "minute": 37}
